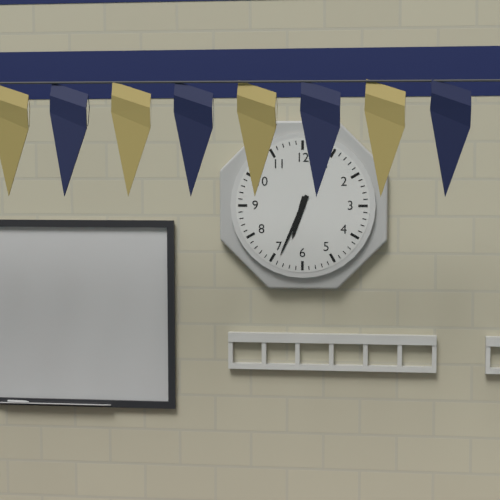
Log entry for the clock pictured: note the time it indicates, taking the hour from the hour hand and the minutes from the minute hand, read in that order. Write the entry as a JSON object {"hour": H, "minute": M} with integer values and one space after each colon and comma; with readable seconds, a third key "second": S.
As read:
{"hour": 6, "minute": 34}
